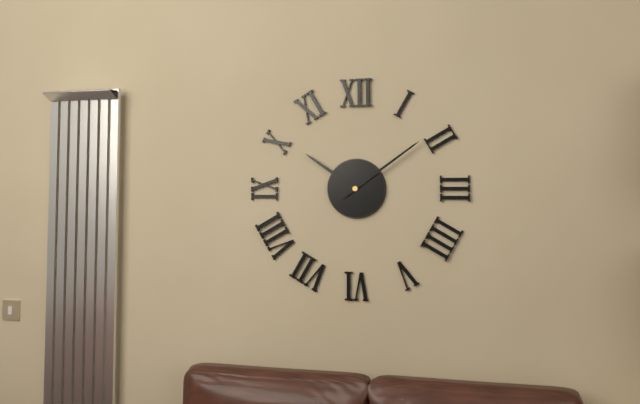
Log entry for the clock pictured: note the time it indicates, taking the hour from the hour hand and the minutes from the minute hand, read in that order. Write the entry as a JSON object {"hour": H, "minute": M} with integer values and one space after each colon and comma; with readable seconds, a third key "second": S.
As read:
{"hour": 10, "minute": 9}
